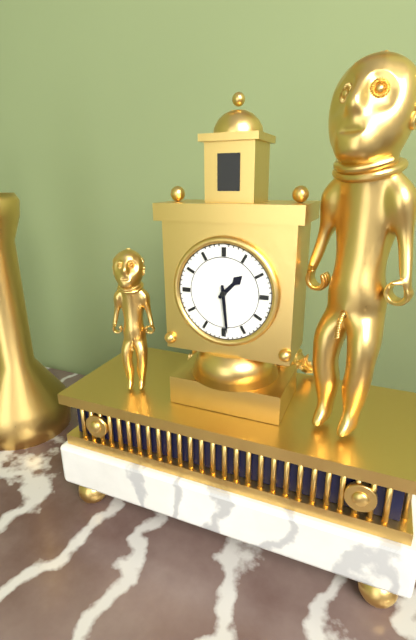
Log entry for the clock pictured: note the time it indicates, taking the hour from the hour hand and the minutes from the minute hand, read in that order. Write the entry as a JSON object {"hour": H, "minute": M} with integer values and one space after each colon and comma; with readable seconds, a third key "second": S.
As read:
{"hour": 1, "minute": 29}
